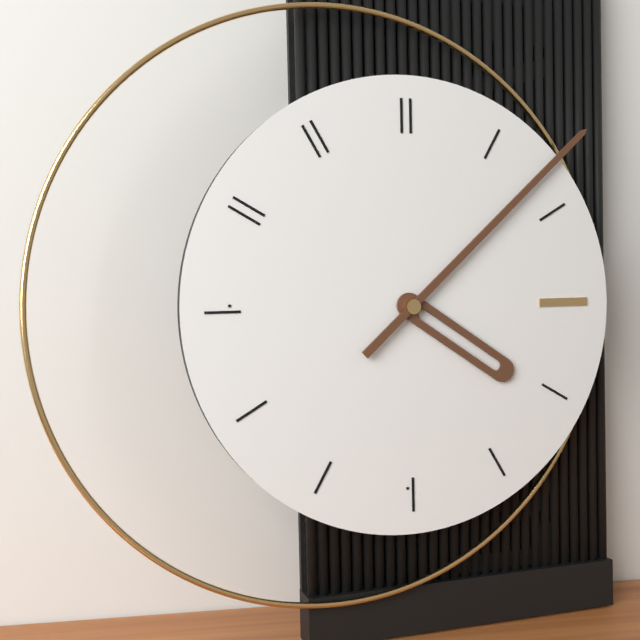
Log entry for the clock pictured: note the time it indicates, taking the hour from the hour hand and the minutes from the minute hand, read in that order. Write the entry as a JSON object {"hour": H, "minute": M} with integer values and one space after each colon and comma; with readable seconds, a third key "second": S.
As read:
{"hour": 4, "minute": 8}
